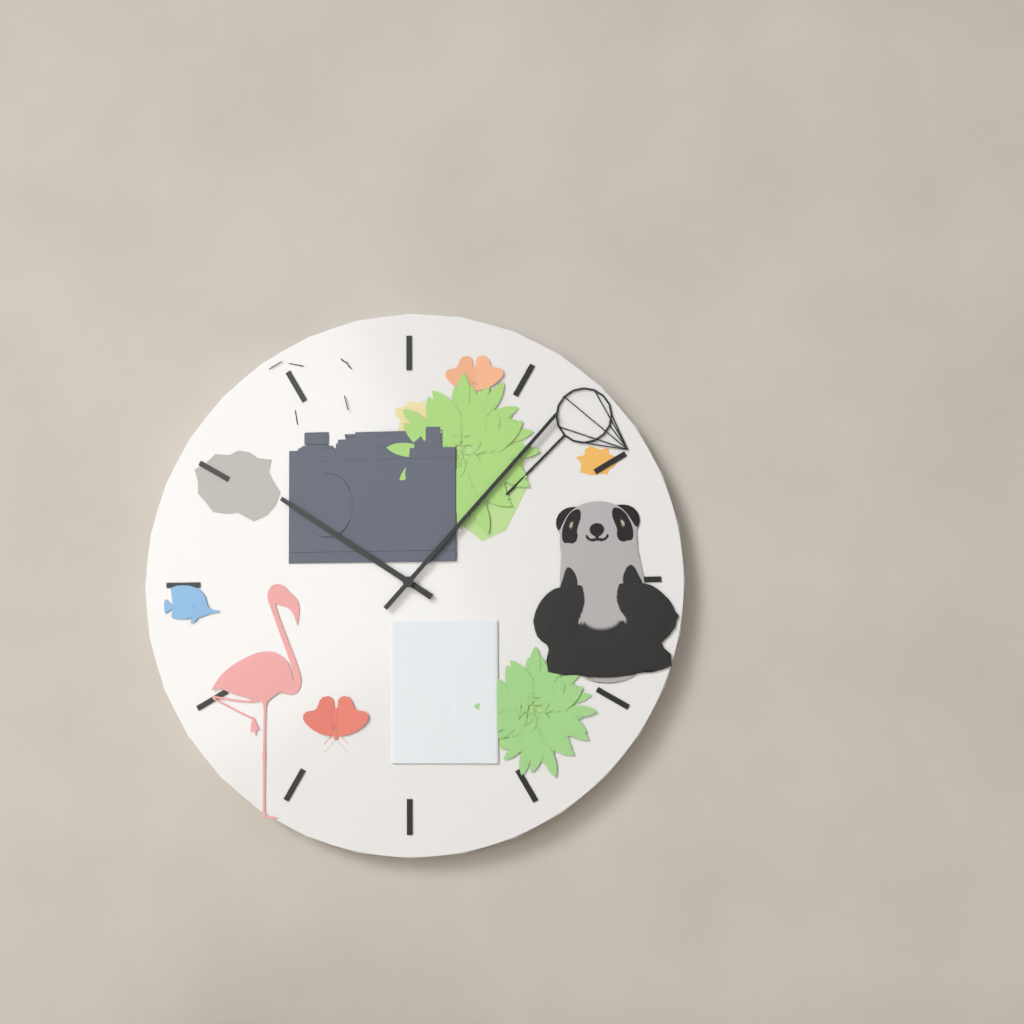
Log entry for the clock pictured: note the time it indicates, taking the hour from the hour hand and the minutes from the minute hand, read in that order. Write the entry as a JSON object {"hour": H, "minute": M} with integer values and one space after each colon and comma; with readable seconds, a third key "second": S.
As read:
{"hour": 10, "minute": 7}
